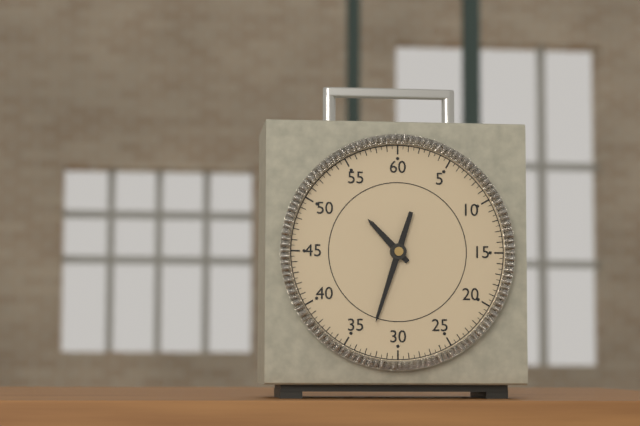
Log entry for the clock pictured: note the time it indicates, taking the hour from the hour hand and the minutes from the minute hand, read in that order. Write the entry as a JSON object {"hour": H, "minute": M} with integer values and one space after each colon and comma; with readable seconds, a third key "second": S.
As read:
{"hour": 10, "minute": 33}
